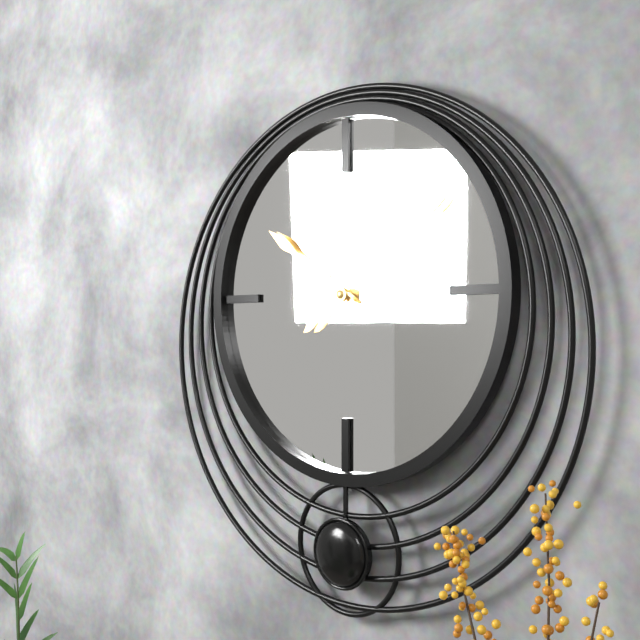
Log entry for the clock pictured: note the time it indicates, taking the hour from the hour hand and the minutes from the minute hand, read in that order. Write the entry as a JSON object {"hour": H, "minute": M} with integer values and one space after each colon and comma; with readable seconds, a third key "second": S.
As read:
{"hour": 10, "minute": 9}
